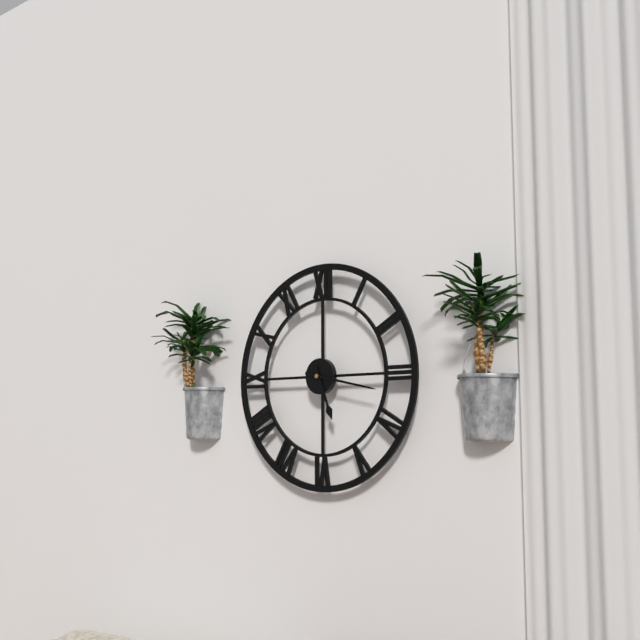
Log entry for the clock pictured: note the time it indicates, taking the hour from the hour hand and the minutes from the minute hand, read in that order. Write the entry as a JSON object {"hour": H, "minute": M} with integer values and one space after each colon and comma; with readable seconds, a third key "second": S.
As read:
{"hour": 5, "minute": 17}
